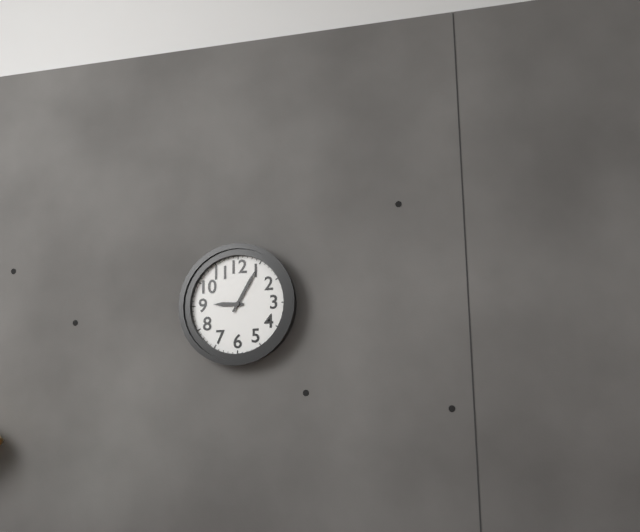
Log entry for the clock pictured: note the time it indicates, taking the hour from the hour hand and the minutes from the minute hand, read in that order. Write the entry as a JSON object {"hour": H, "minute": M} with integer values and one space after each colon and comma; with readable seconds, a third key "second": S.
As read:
{"hour": 9, "minute": 5}
